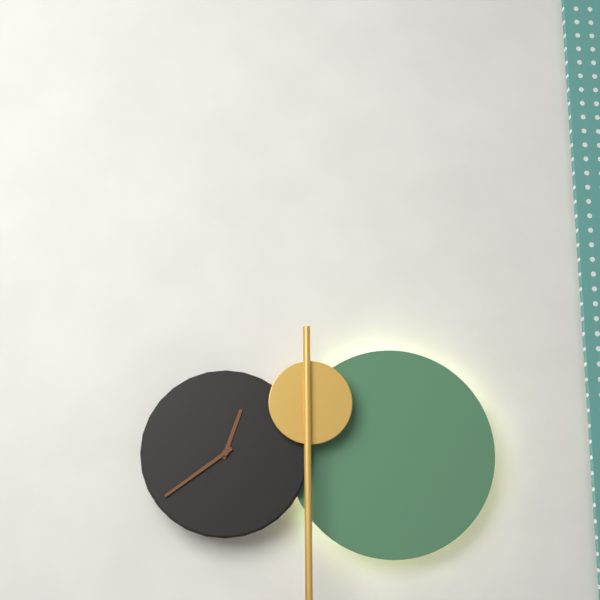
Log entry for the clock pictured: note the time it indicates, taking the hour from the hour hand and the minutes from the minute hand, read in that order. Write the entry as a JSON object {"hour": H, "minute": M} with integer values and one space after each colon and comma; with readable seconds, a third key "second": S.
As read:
{"hour": 12, "minute": 39}
